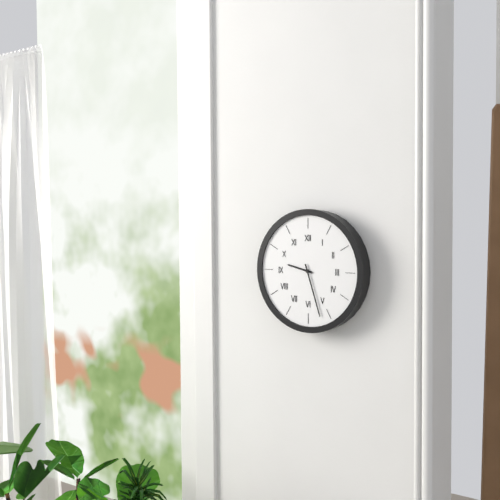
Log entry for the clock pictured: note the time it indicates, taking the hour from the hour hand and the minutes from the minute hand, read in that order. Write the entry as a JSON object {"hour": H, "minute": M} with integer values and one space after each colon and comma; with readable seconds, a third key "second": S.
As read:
{"hour": 9, "minute": 27}
